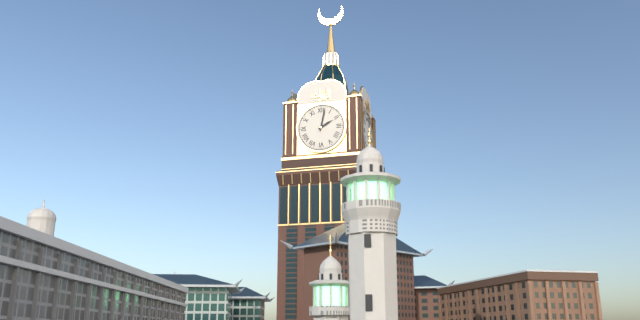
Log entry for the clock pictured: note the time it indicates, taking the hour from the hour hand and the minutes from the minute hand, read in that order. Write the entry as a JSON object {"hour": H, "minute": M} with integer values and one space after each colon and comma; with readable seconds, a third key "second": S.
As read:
{"hour": 2, "minute": 2}
